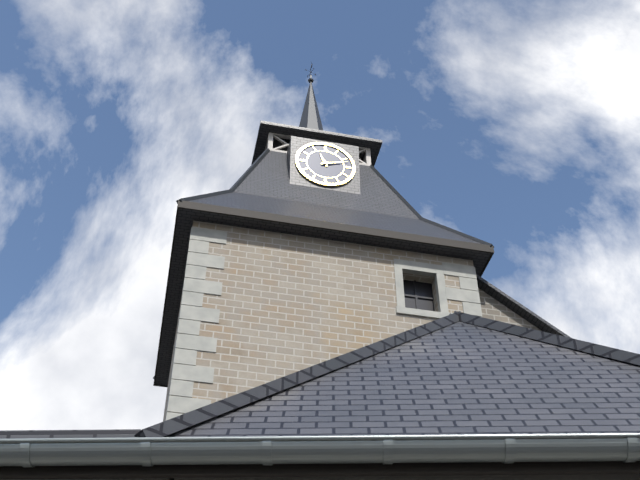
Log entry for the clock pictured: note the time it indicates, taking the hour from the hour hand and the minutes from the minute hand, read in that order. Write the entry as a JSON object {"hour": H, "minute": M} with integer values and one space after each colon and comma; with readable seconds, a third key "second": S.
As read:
{"hour": 11, "minute": 12}
